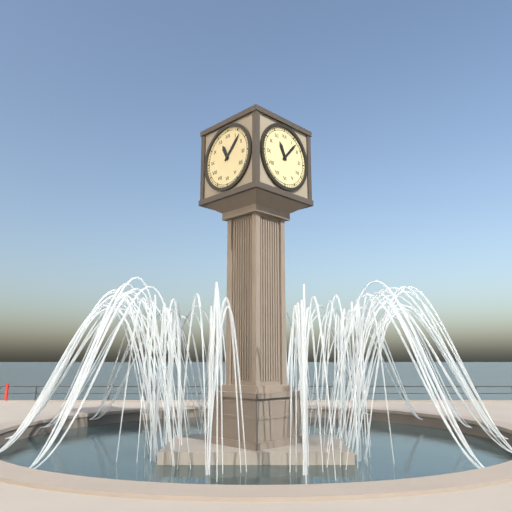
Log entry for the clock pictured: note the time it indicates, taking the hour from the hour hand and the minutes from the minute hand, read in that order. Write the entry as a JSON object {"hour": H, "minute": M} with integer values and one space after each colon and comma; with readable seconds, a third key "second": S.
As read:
{"hour": 11, "minute": 7}
